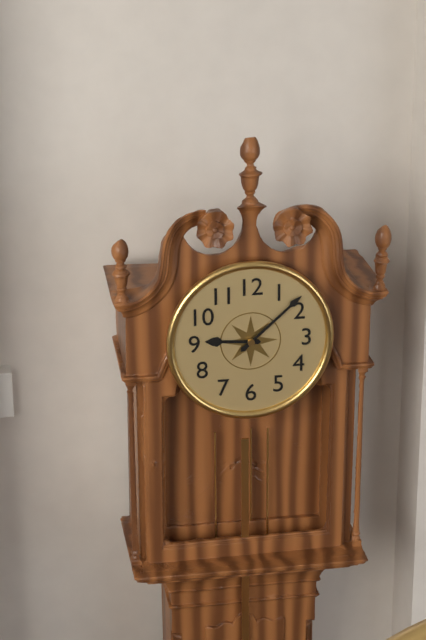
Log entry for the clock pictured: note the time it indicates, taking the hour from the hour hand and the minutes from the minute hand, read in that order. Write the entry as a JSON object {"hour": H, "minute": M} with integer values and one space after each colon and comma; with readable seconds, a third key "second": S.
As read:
{"hour": 9, "minute": 8}
